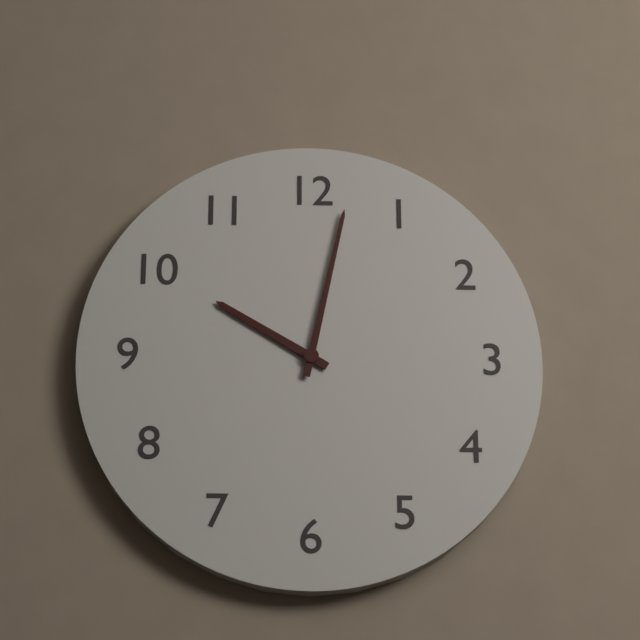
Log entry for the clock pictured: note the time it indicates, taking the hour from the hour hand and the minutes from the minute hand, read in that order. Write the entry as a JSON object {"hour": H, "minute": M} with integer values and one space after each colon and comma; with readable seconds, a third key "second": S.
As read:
{"hour": 10, "minute": 2}
